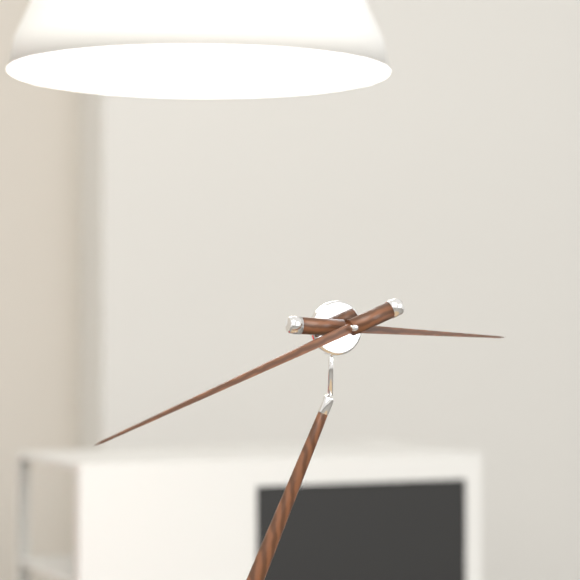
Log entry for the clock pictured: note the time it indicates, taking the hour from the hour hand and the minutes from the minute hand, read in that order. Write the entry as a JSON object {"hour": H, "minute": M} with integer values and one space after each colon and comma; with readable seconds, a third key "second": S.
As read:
{"hour": 2, "minute": 39}
